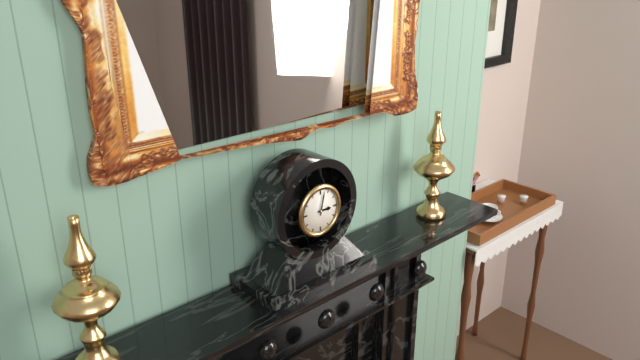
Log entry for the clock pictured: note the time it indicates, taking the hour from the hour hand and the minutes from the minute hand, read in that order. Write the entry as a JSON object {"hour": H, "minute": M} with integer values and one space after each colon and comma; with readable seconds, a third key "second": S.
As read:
{"hour": 3, "minute": 2}
